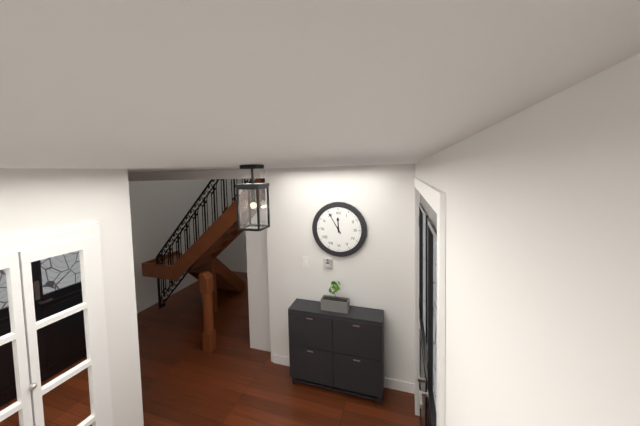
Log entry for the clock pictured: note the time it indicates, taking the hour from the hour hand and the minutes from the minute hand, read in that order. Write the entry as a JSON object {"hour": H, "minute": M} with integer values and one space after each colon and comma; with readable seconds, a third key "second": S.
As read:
{"hour": 11, "minute": 55}
